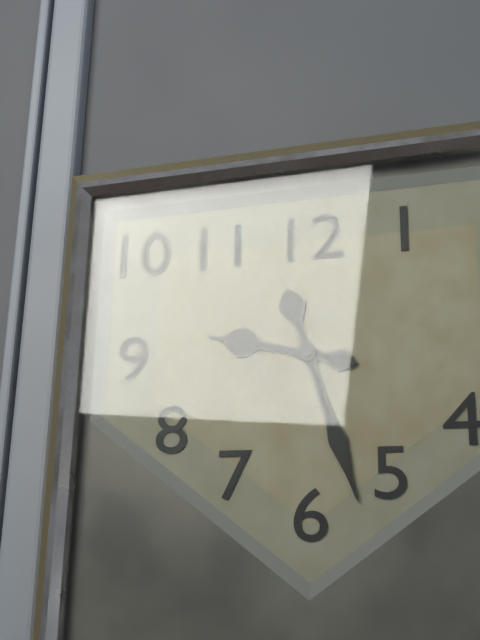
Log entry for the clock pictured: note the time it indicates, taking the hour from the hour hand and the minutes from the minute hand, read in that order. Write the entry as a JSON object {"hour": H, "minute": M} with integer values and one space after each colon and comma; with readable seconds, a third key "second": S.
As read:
{"hour": 9, "minute": 27}
